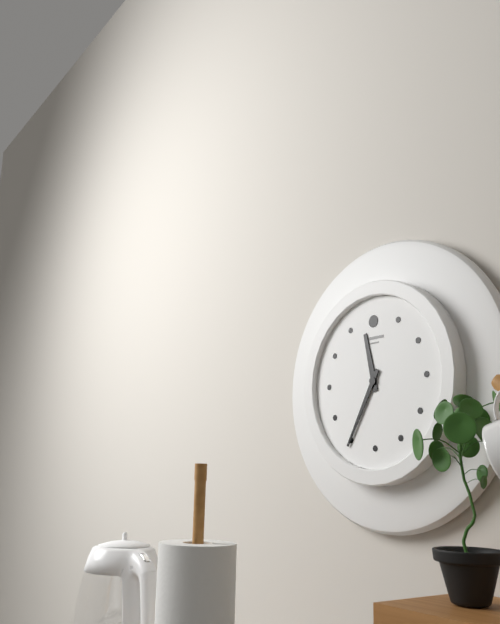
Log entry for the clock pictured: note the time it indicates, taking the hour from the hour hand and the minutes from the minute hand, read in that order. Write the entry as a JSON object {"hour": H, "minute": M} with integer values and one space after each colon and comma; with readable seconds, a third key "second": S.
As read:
{"hour": 11, "minute": 35}
